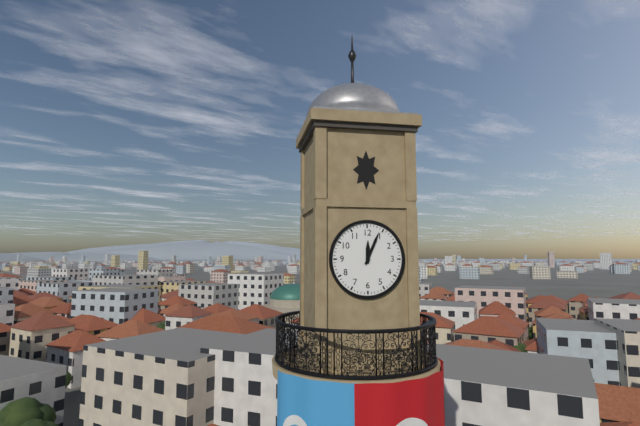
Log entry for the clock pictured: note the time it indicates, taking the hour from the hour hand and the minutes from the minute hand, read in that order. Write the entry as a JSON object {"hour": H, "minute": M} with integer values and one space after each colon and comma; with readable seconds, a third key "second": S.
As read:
{"hour": 12, "minute": 4}
